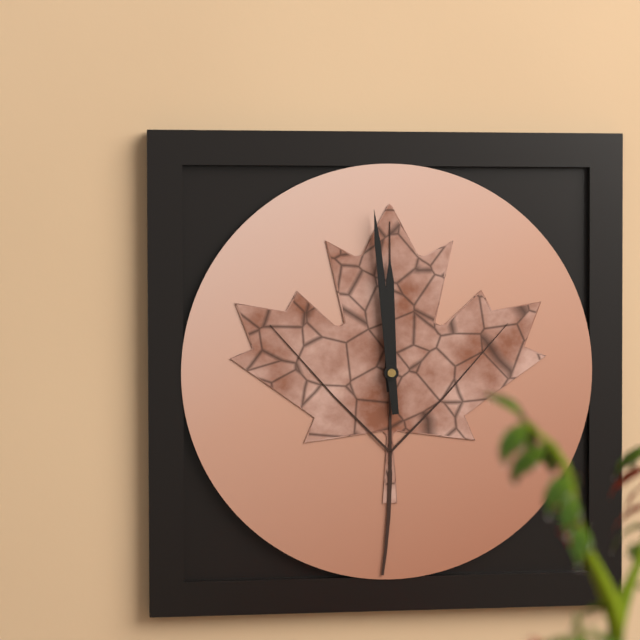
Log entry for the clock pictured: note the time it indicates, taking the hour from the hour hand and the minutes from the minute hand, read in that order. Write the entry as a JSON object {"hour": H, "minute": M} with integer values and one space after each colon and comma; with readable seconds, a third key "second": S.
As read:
{"hour": 11, "minute": 59}
